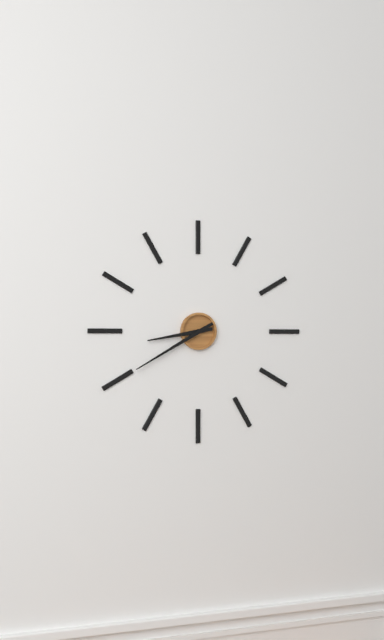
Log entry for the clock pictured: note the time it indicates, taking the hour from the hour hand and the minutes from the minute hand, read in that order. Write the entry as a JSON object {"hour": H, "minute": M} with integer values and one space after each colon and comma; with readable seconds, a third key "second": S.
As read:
{"hour": 8, "minute": 40}
